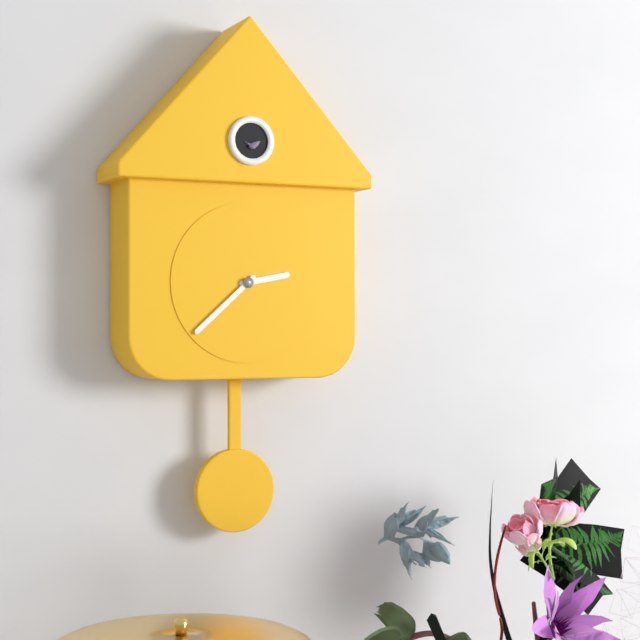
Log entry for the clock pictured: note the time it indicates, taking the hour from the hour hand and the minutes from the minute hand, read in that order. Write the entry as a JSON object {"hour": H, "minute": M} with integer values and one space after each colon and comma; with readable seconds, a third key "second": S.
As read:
{"hour": 2, "minute": 38}
